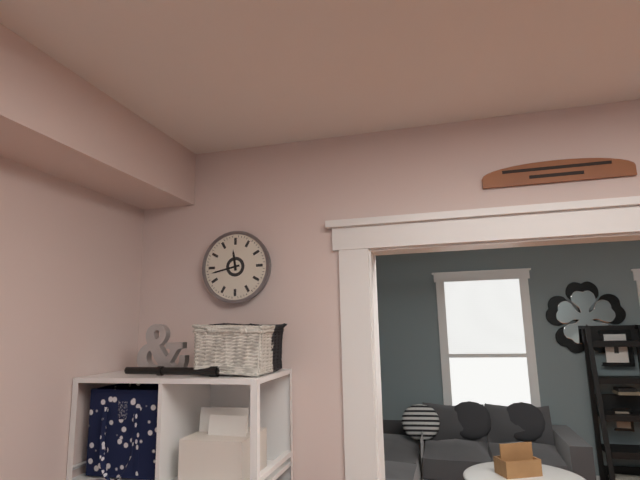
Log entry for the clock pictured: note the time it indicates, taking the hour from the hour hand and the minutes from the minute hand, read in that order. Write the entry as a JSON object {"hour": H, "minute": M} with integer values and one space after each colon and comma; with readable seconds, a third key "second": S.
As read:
{"hour": 11, "minute": 43}
